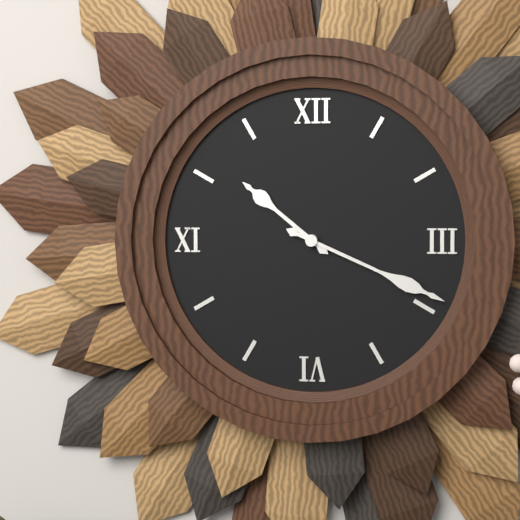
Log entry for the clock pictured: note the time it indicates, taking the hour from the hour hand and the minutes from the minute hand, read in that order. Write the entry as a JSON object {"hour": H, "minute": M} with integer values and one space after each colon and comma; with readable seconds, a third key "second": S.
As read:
{"hour": 10, "minute": 19}
